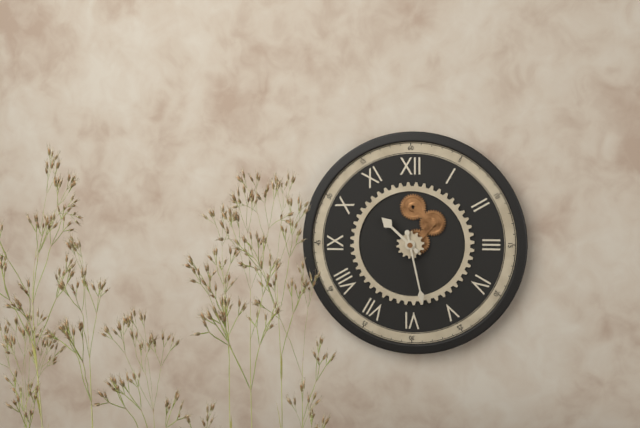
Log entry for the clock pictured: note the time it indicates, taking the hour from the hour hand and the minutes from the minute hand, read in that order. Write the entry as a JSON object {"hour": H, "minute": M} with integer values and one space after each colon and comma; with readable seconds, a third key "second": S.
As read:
{"hour": 10, "minute": 28}
